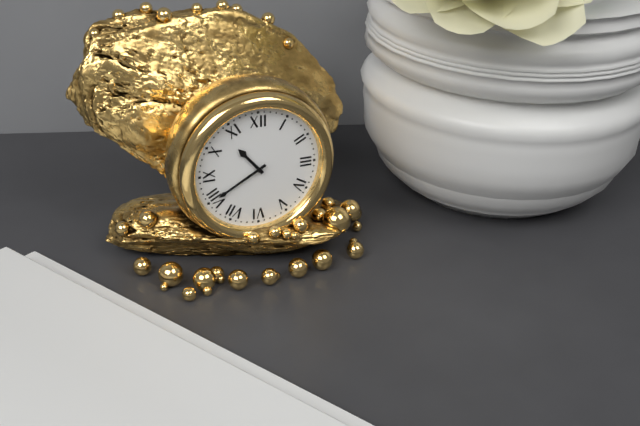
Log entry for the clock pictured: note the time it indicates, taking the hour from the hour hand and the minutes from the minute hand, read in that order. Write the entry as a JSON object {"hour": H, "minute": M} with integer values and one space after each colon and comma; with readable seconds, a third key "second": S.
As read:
{"hour": 10, "minute": 40}
